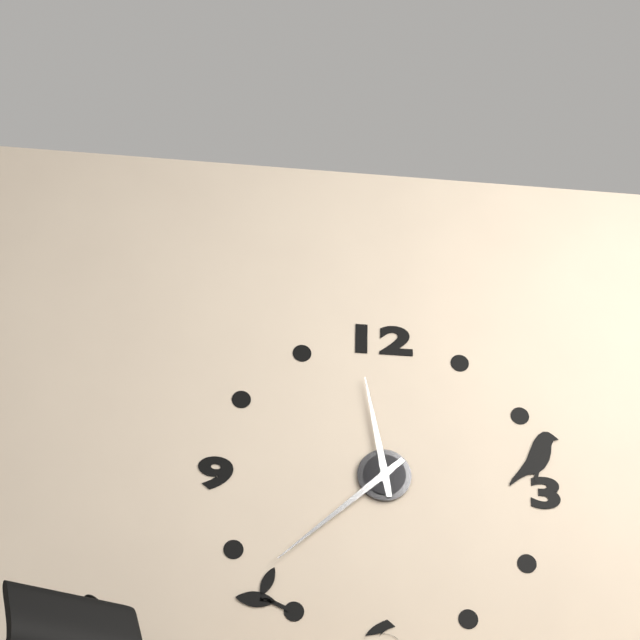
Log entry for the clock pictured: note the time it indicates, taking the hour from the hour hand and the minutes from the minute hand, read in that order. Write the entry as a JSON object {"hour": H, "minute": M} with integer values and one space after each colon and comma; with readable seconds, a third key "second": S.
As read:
{"hour": 11, "minute": 38}
